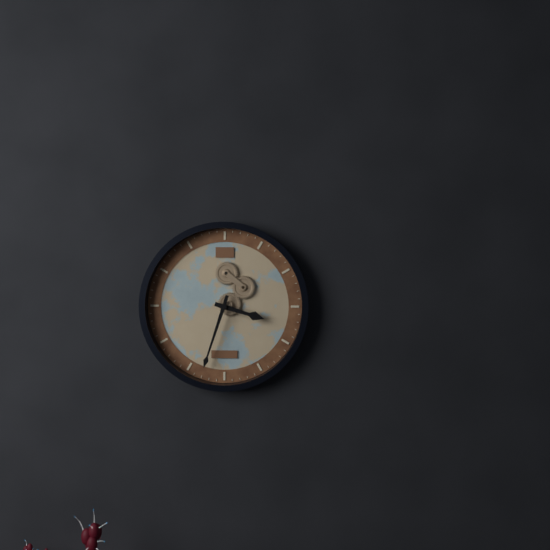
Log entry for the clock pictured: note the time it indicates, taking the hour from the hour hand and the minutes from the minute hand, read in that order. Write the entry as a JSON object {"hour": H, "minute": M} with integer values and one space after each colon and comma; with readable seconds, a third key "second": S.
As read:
{"hour": 3, "minute": 33}
